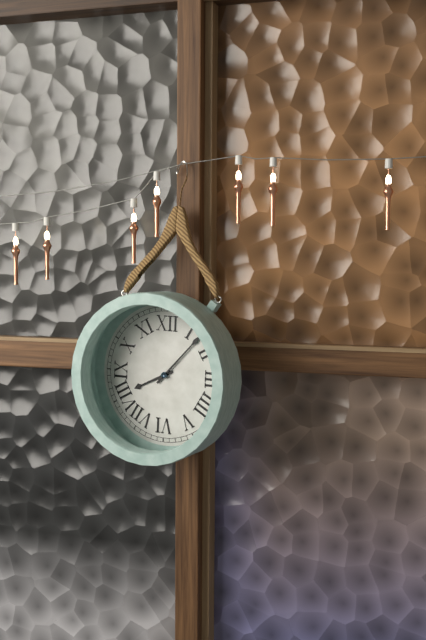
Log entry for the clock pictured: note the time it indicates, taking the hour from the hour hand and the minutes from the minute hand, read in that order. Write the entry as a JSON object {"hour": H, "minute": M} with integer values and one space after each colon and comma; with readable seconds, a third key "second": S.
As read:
{"hour": 8, "minute": 7}
